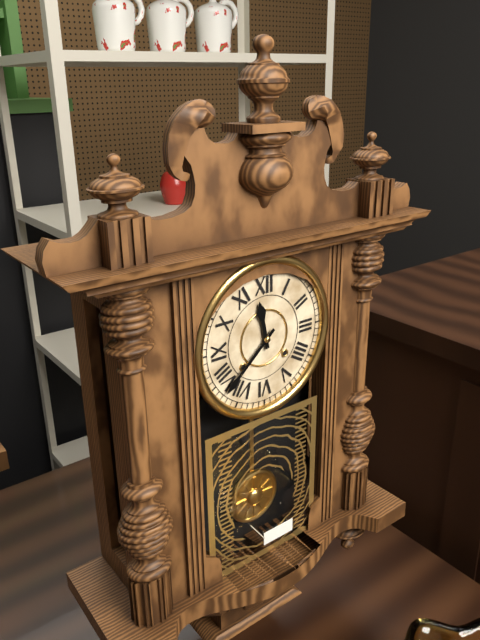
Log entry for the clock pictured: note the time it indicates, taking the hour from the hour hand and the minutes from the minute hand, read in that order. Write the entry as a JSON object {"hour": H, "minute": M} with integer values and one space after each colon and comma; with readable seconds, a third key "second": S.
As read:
{"hour": 11, "minute": 38}
